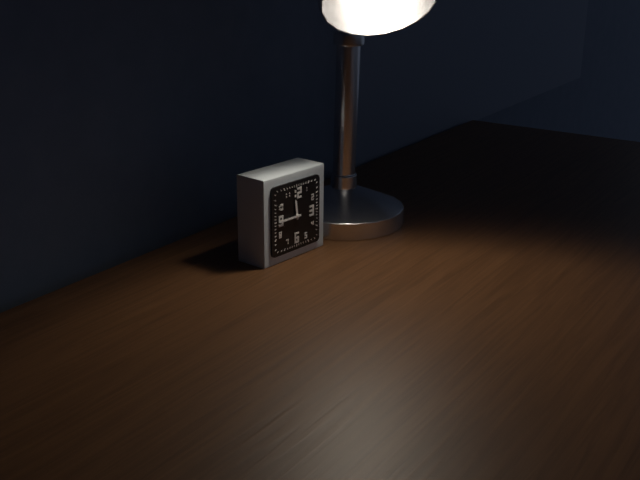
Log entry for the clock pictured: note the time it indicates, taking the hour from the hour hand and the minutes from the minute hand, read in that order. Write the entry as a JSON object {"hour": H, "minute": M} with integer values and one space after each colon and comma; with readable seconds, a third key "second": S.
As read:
{"hour": 11, "minute": 45}
